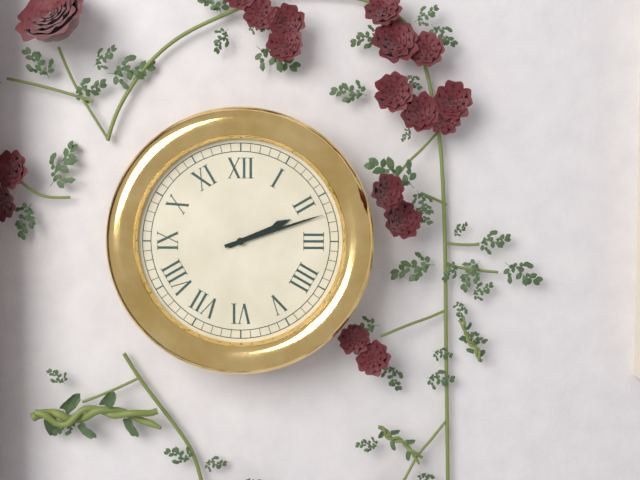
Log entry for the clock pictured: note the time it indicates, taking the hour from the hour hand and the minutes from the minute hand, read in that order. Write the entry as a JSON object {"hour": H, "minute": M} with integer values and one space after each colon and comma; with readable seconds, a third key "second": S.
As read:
{"hour": 2, "minute": 12}
